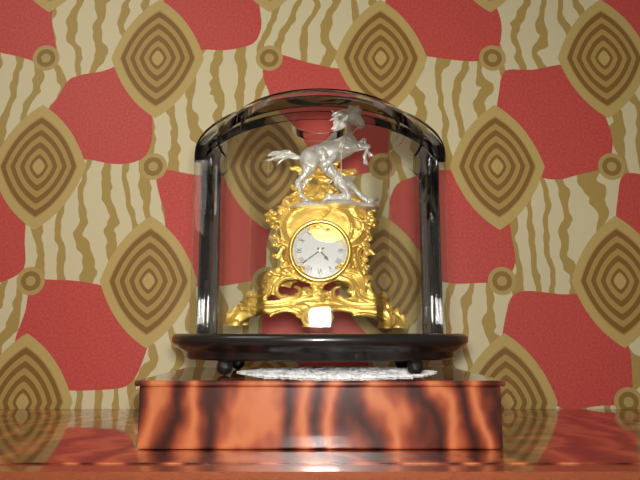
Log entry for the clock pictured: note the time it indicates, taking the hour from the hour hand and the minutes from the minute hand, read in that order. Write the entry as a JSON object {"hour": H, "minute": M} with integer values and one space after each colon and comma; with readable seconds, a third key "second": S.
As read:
{"hour": 4, "minute": 39}
